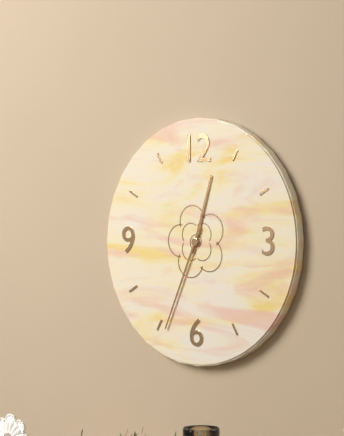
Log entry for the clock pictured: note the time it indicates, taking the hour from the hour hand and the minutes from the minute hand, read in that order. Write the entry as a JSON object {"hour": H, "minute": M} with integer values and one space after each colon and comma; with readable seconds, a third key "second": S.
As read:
{"hour": 12, "minute": 34}
